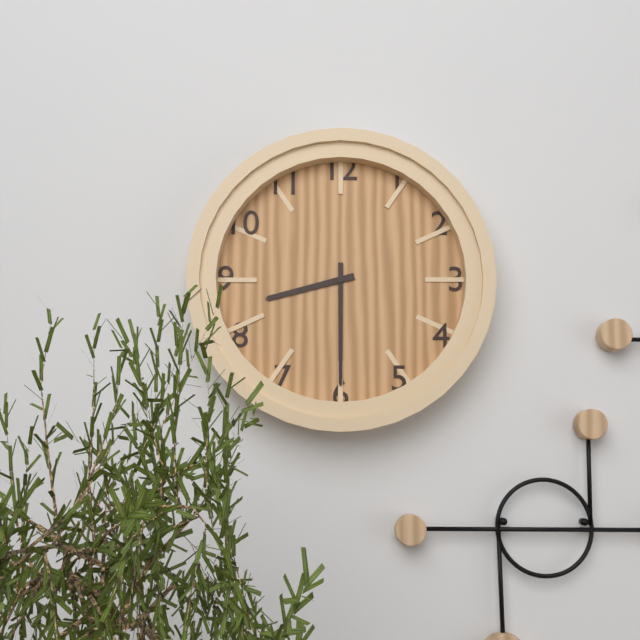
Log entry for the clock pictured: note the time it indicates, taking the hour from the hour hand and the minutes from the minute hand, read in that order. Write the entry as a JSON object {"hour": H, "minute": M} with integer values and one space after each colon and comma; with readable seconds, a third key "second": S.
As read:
{"hour": 8, "minute": 30}
